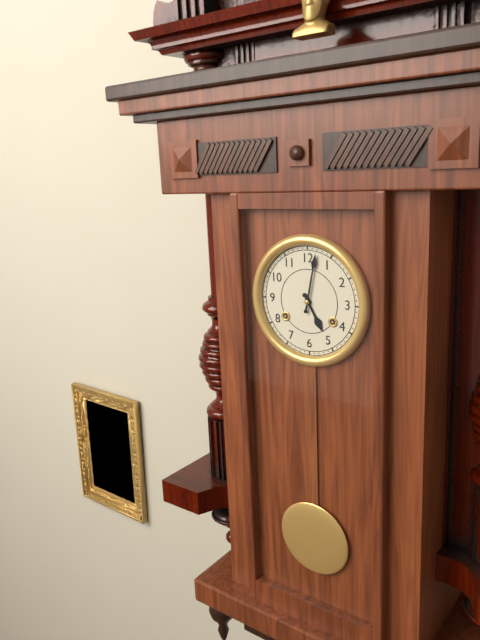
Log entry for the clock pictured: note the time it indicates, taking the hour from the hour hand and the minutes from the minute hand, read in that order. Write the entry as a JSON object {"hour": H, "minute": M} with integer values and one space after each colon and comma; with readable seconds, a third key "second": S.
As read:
{"hour": 5, "minute": 2}
